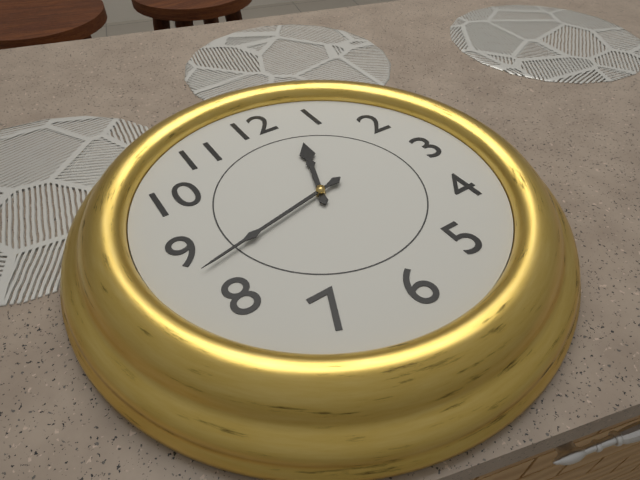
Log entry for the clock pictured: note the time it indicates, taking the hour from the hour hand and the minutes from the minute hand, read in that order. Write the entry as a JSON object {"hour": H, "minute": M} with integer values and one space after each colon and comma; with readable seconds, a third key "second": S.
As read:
{"hour": 12, "minute": 43}
